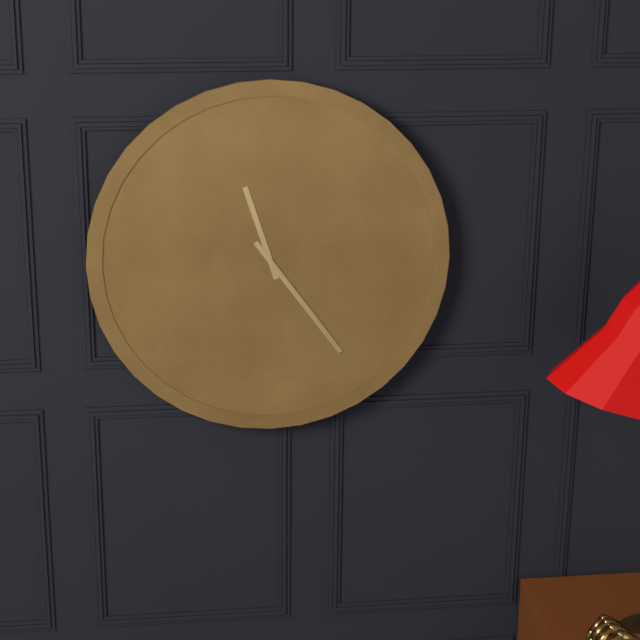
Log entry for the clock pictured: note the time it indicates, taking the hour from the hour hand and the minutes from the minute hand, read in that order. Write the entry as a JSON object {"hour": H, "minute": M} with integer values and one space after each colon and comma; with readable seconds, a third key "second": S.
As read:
{"hour": 11, "minute": 24}
